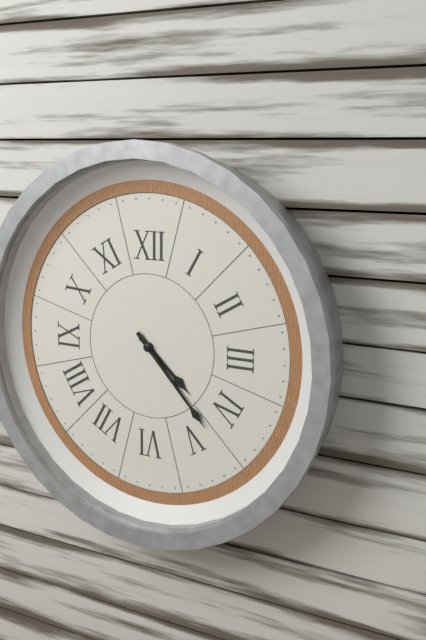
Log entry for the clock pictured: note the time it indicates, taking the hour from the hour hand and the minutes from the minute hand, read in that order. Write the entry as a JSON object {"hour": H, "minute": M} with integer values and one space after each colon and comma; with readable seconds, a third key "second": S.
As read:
{"hour": 4, "minute": 23}
